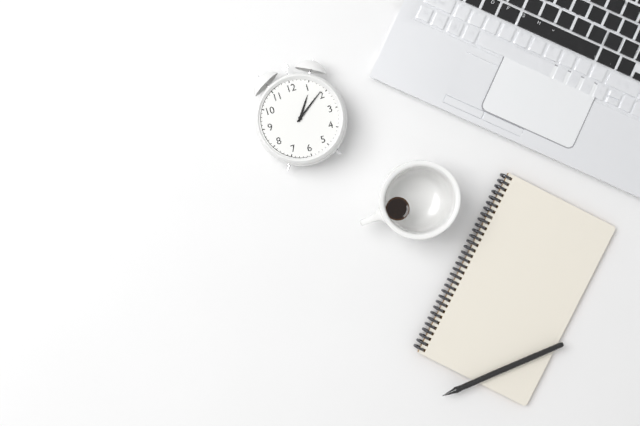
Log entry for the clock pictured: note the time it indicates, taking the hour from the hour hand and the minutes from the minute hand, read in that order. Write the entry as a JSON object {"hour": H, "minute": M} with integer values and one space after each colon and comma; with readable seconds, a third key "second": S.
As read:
{"hour": 1, "minute": 9}
